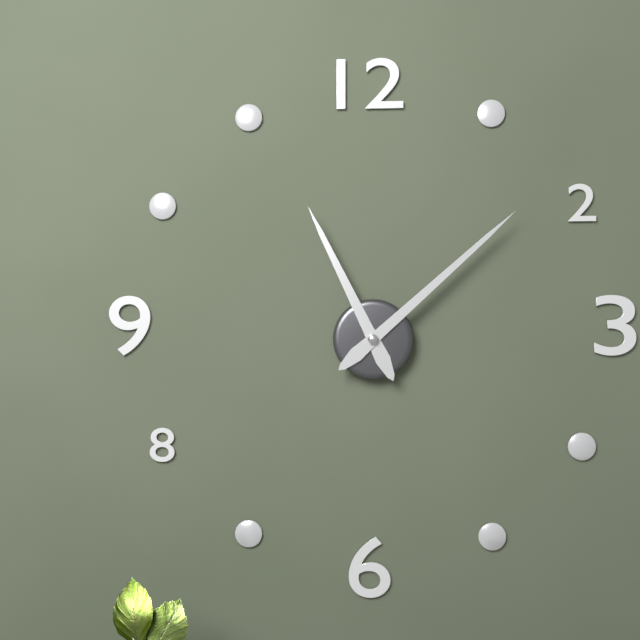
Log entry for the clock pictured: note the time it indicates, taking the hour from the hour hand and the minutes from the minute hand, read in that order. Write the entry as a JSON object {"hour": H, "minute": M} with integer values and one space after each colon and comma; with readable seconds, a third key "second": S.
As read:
{"hour": 11, "minute": 8}
